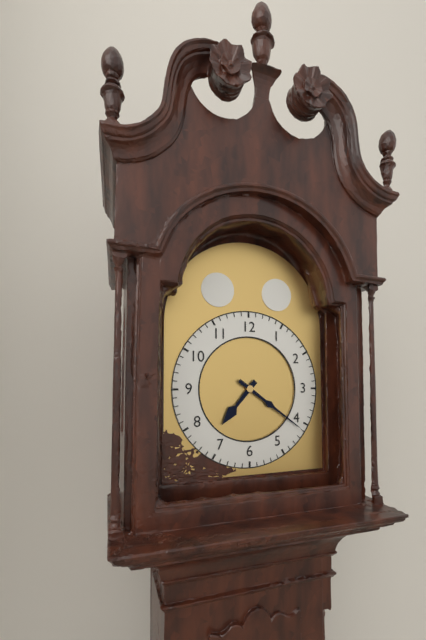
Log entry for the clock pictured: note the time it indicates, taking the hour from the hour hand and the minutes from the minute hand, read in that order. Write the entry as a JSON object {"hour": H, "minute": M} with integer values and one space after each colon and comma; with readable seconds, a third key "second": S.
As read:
{"hour": 7, "minute": 21}
